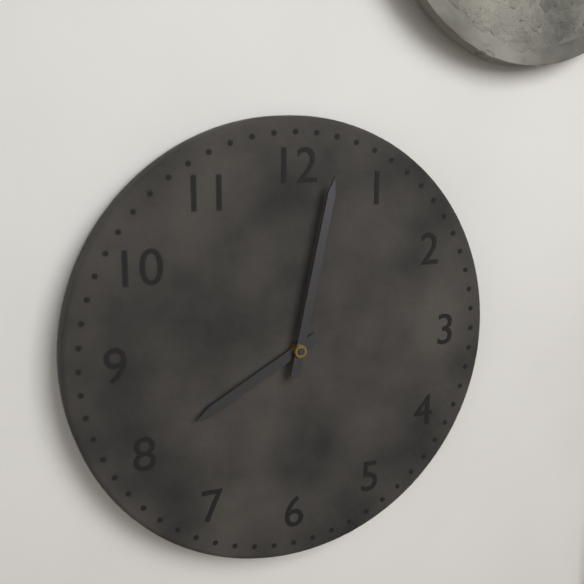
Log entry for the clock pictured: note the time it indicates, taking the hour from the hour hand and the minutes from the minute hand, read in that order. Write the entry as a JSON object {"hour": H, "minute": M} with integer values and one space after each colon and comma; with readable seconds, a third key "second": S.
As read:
{"hour": 8, "minute": 2}
